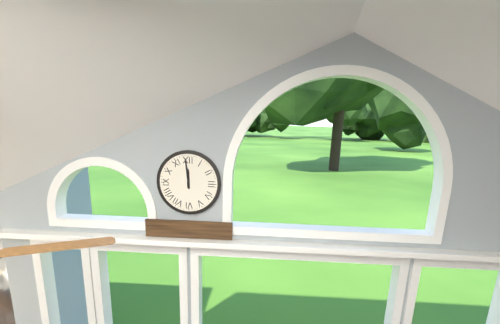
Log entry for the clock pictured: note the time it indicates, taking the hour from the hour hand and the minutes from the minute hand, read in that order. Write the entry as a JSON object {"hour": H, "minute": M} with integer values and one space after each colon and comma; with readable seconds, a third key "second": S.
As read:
{"hour": 11, "minute": 59}
